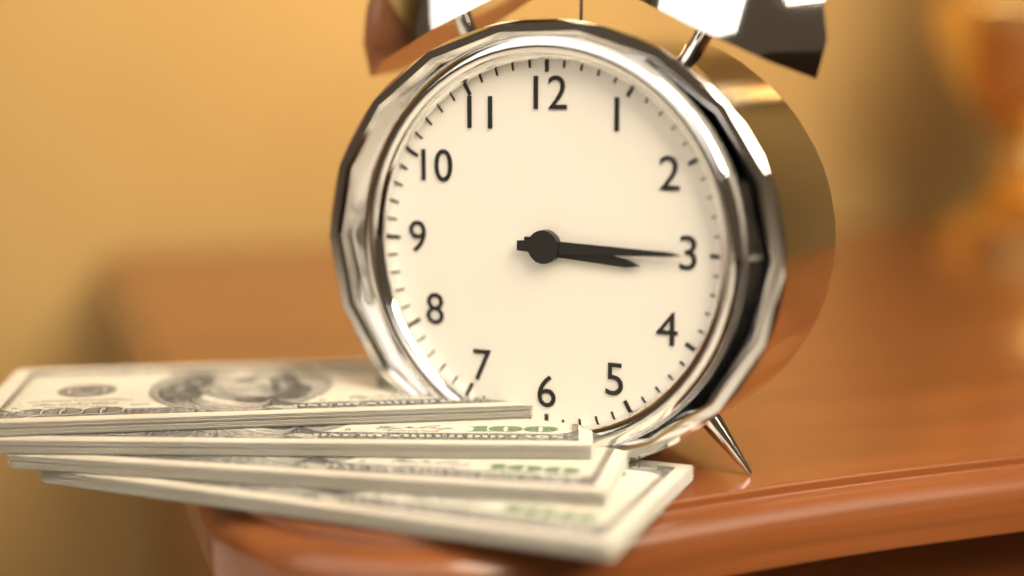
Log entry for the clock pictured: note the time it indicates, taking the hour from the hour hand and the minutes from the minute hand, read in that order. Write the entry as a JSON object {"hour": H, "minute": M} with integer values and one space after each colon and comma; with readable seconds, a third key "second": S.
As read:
{"hour": 3, "minute": 15}
